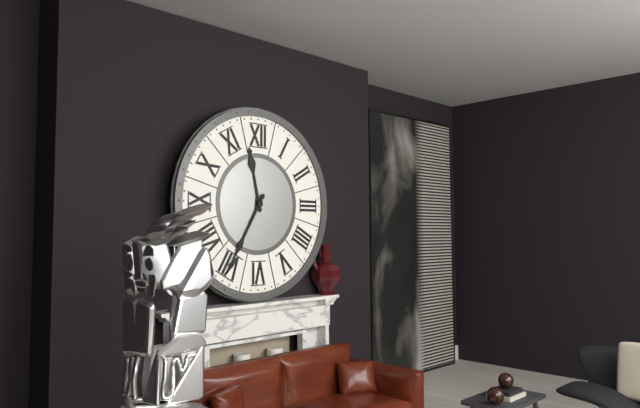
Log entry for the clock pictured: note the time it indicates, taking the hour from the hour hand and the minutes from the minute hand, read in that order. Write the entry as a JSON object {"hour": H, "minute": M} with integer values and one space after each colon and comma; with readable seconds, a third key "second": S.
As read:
{"hour": 11, "minute": 35}
